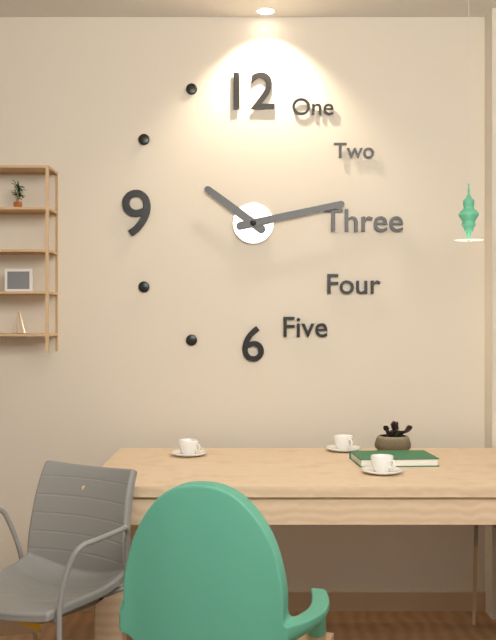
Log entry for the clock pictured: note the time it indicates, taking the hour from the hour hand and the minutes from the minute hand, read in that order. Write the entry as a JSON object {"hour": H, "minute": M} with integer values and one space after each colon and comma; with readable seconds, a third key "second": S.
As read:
{"hour": 10, "minute": 13}
